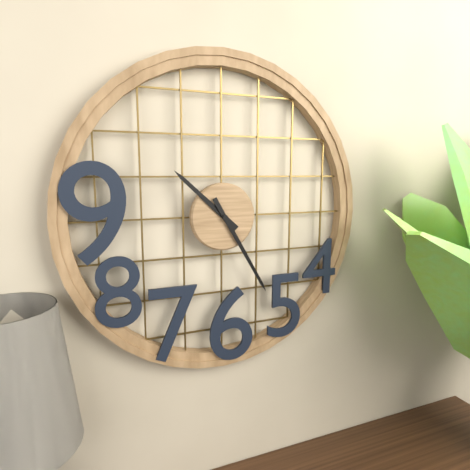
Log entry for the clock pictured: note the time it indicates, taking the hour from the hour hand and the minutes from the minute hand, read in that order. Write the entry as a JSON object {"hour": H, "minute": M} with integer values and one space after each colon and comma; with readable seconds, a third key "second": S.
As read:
{"hour": 10, "minute": 25}
